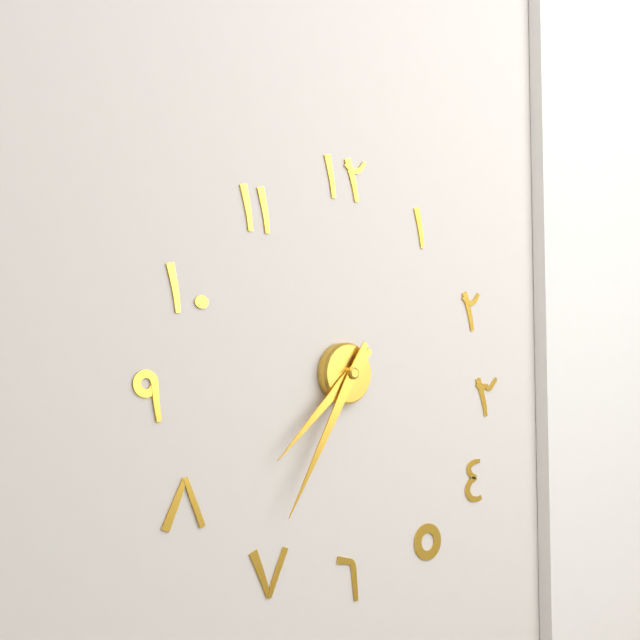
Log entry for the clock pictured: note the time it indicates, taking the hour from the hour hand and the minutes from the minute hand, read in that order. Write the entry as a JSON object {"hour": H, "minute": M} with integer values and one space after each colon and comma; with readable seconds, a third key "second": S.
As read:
{"hour": 7, "minute": 35}
